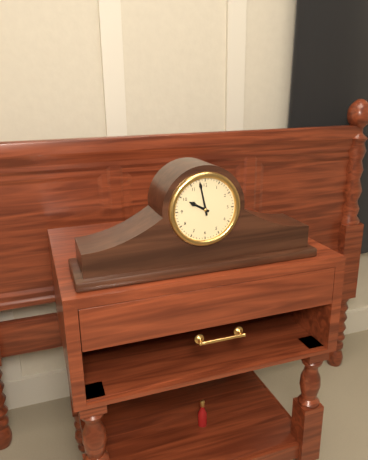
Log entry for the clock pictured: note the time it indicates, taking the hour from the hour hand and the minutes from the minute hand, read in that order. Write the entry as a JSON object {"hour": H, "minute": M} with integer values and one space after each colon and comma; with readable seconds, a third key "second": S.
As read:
{"hour": 9, "minute": 58}
